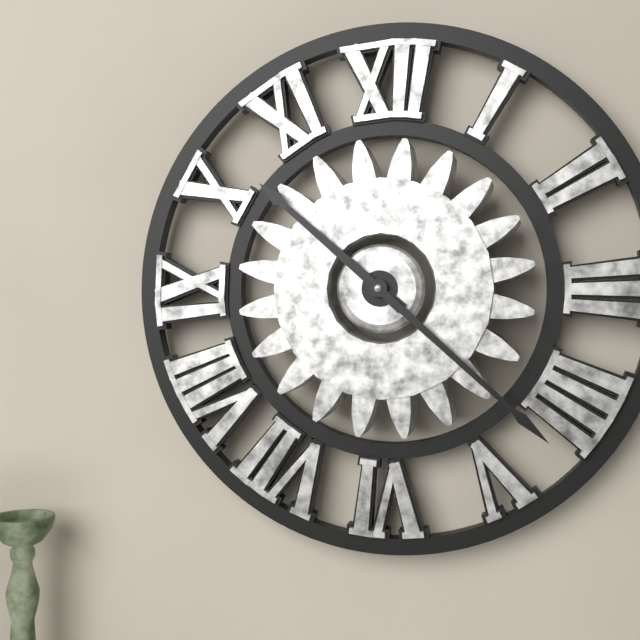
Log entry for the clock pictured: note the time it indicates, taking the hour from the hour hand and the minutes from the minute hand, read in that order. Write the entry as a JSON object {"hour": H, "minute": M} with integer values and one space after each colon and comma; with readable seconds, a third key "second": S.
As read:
{"hour": 10, "minute": 22}
